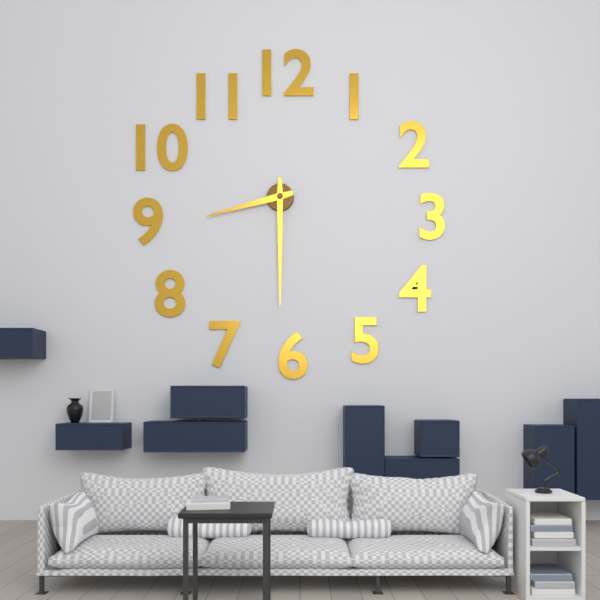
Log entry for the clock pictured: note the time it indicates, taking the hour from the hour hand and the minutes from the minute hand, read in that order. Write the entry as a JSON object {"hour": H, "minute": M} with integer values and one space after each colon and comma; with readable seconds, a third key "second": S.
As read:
{"hour": 8, "minute": 30}
